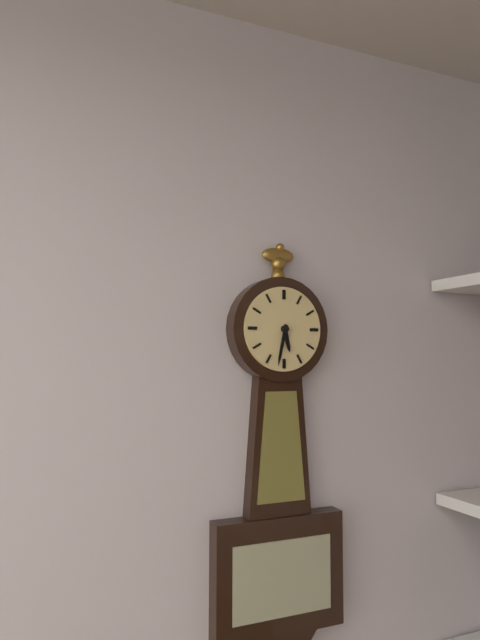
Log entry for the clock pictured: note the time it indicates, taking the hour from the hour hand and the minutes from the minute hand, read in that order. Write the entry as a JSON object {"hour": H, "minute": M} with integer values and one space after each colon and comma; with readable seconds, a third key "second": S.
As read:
{"hour": 5, "minute": 32}
